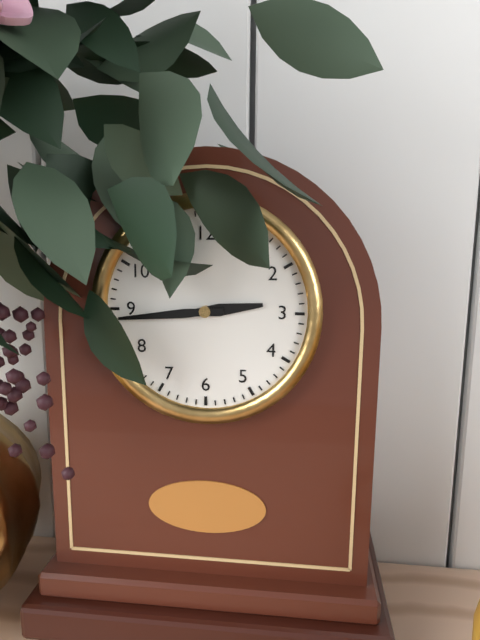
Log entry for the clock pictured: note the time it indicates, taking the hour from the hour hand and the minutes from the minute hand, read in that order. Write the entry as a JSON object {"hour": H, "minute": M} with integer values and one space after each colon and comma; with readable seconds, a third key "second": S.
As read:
{"hour": 2, "minute": 44}
